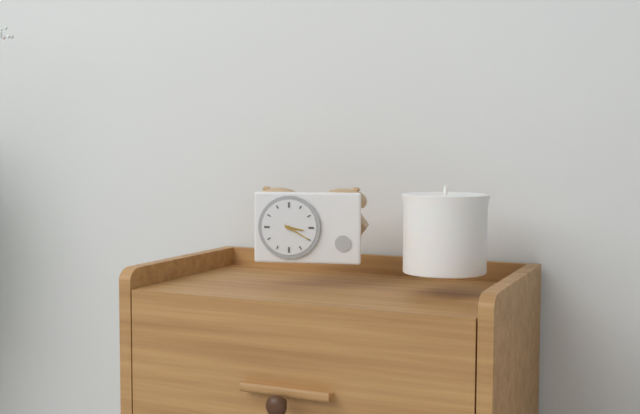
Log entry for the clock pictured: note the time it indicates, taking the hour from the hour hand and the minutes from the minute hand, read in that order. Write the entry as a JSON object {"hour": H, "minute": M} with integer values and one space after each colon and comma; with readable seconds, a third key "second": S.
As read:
{"hour": 3, "minute": 20}
